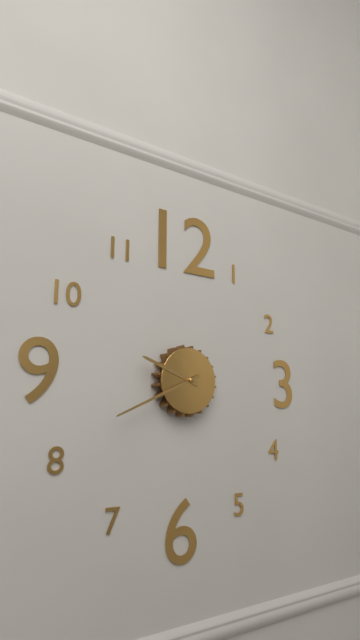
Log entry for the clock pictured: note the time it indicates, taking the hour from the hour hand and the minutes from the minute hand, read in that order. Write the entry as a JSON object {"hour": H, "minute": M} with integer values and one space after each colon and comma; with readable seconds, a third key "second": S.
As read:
{"hour": 9, "minute": 41}
